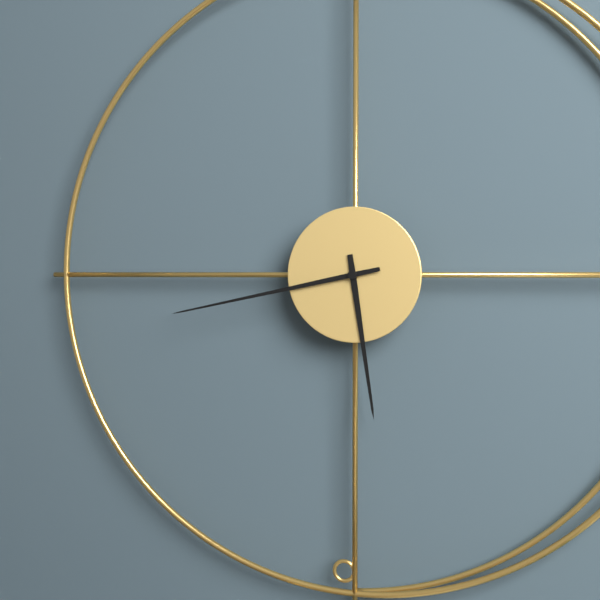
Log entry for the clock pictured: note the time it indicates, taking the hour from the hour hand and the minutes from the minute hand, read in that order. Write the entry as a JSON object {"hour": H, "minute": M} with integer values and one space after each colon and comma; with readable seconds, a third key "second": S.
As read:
{"hour": 5, "minute": 43}
